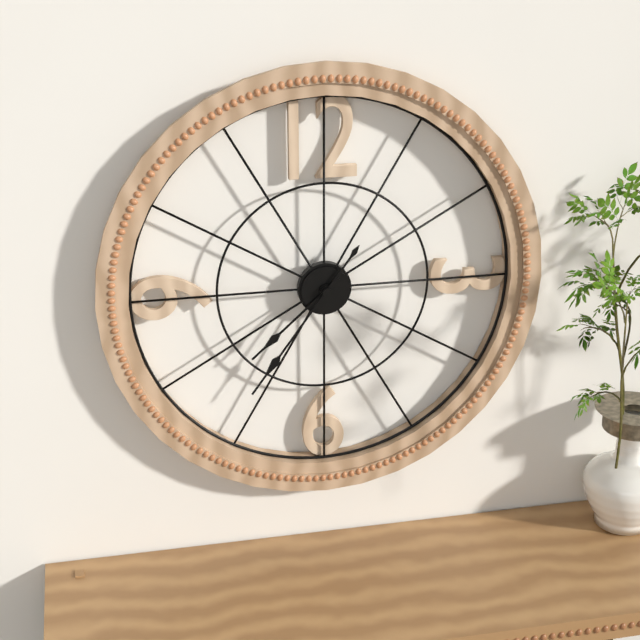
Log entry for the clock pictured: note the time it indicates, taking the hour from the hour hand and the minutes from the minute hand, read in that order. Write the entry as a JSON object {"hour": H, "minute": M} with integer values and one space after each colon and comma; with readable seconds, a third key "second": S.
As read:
{"hour": 7, "minute": 36}
